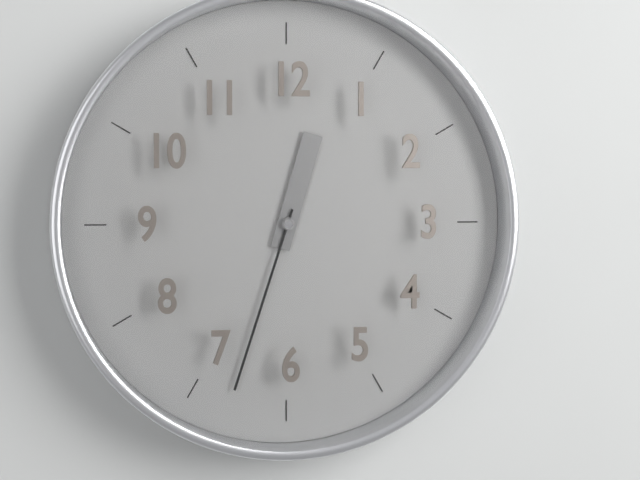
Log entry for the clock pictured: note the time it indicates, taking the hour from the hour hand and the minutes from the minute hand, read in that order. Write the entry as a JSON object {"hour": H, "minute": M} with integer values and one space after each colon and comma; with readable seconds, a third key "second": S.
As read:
{"hour": 12, "minute": 33}
